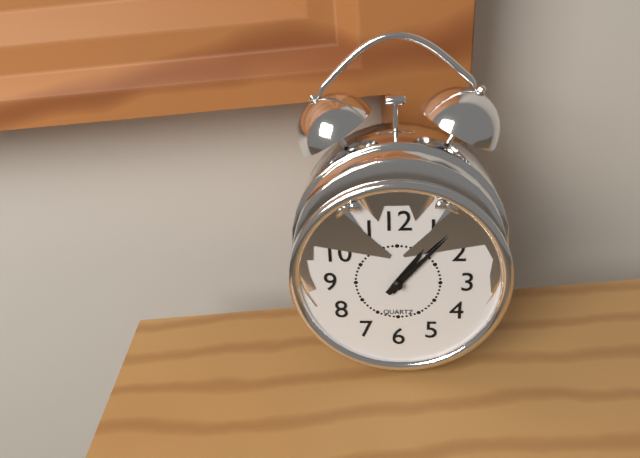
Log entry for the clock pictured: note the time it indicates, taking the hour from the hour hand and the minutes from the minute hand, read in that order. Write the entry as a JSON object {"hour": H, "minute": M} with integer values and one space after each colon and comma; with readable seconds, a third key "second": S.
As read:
{"hour": 1, "minute": 7}
